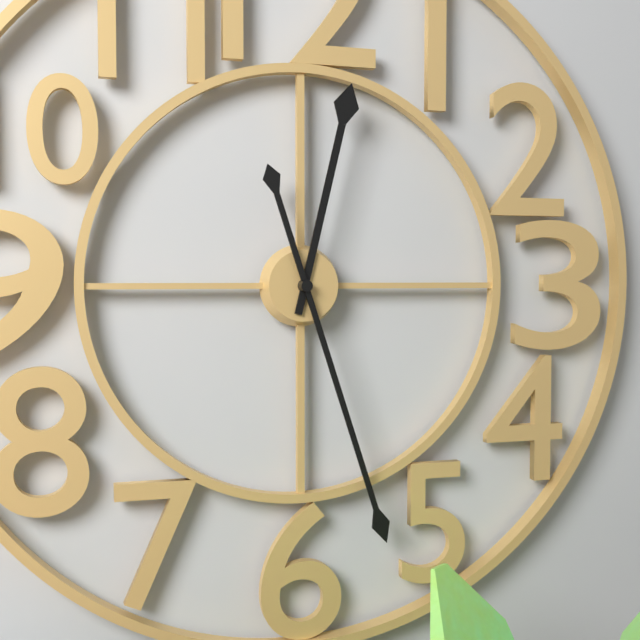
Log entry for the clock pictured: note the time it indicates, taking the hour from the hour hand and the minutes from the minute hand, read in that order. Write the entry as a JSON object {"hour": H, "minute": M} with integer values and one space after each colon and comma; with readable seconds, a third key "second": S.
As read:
{"hour": 12, "minute": 27}
